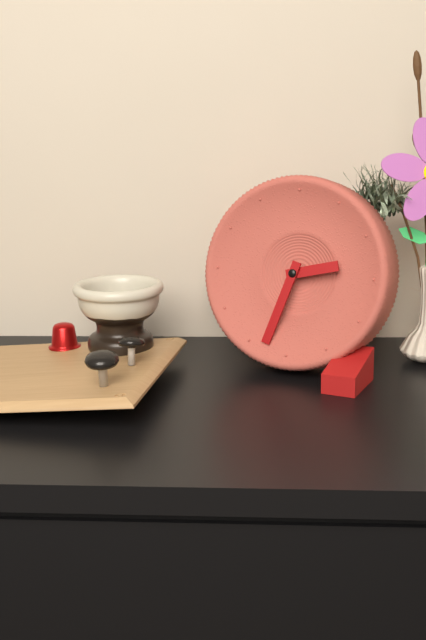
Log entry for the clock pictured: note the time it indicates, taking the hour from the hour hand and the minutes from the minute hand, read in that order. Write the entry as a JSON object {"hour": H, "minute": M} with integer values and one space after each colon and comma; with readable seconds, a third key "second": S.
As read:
{"hour": 2, "minute": 33}
